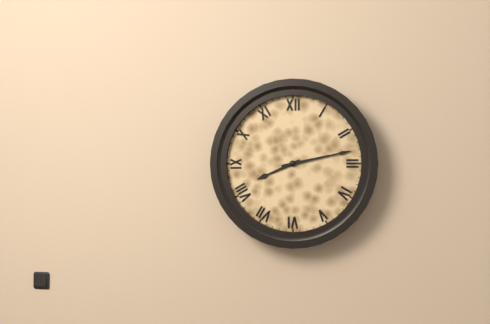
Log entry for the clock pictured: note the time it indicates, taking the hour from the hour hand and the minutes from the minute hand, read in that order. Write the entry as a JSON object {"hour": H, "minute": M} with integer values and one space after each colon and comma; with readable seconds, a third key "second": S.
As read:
{"hour": 8, "minute": 13}
